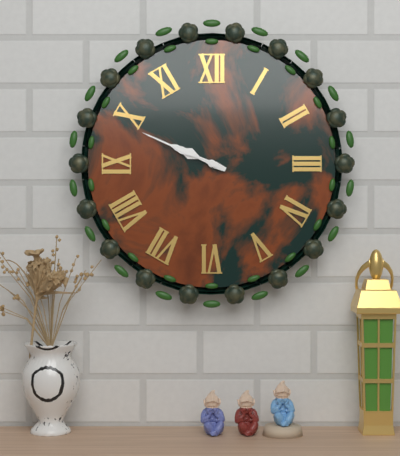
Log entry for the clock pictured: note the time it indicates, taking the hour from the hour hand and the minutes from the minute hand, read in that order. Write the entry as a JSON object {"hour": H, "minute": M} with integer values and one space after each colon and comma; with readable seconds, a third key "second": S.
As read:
{"hour": 9, "minute": 49}
